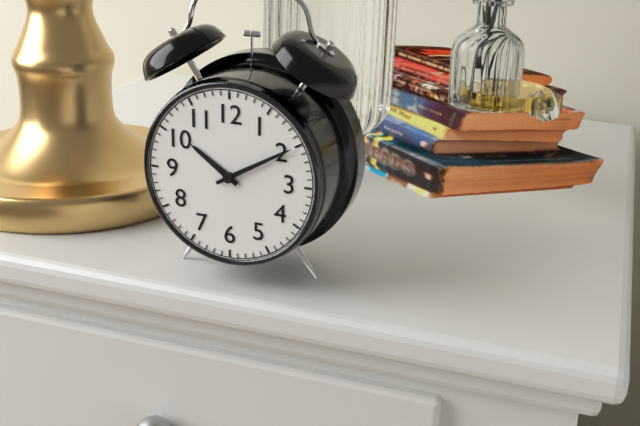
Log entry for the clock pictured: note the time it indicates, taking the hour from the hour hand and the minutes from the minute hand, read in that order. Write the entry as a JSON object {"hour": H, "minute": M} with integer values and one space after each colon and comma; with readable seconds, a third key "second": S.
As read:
{"hour": 10, "minute": 10}
